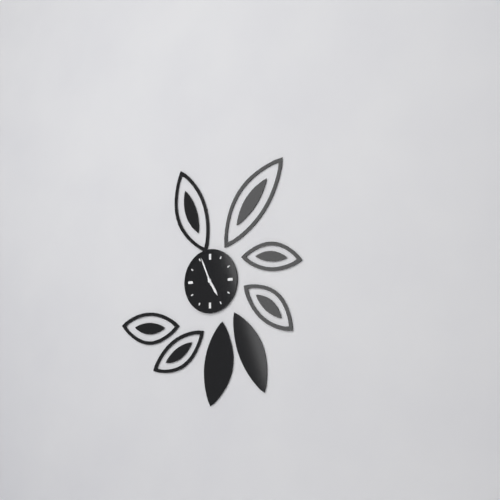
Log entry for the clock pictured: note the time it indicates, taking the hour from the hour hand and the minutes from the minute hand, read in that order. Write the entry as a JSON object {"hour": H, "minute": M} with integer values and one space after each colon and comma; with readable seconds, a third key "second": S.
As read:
{"hour": 4, "minute": 56}
